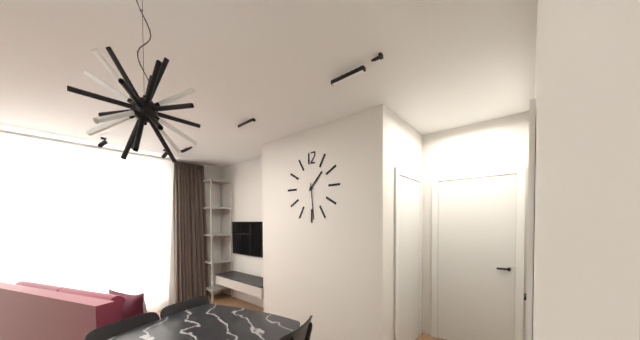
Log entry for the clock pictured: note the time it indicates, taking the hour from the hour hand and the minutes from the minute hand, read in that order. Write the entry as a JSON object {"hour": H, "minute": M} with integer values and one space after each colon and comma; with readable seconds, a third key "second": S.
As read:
{"hour": 1, "minute": 29}
